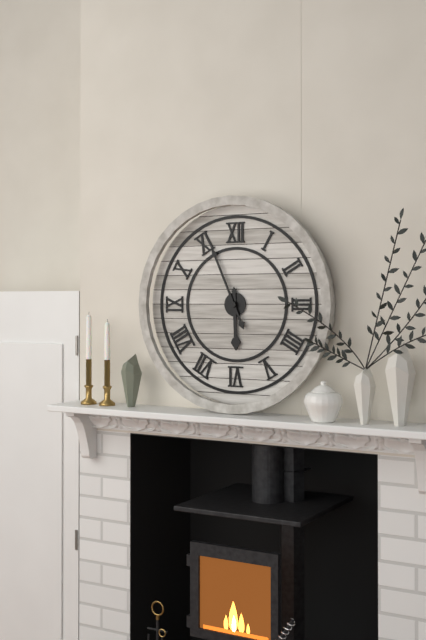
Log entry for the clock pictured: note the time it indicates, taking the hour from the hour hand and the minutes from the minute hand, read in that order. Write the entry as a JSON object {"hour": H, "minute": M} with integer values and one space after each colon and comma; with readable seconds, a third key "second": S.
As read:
{"hour": 5, "minute": 56}
